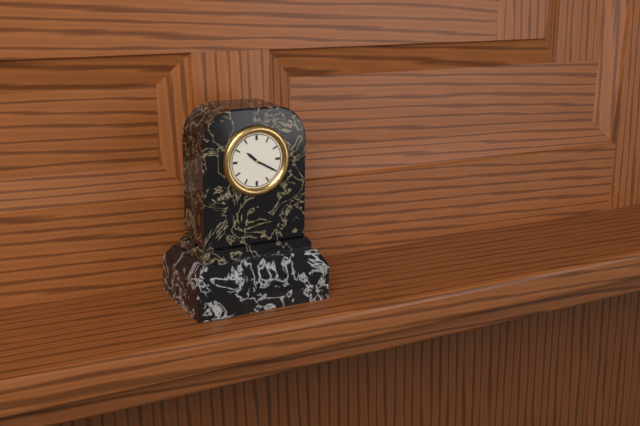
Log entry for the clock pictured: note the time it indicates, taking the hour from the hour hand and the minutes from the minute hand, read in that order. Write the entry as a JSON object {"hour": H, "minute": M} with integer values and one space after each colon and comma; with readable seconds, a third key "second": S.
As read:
{"hour": 10, "minute": 20}
